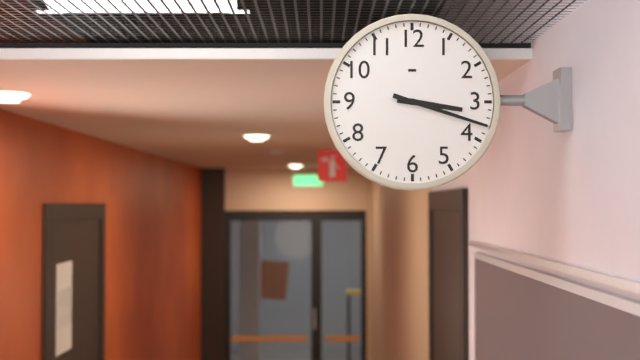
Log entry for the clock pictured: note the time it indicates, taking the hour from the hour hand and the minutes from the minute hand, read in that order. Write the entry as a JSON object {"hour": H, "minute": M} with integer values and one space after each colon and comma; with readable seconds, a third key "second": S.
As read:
{"hour": 3, "minute": 18}
